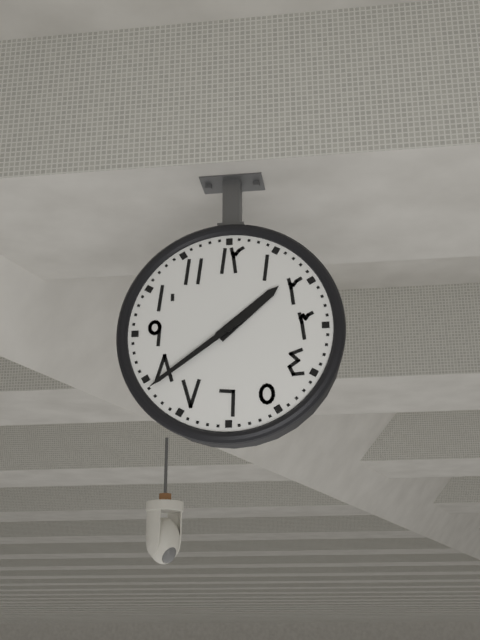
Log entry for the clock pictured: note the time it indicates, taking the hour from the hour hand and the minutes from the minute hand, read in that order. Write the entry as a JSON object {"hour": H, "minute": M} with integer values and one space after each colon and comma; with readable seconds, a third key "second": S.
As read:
{"hour": 1, "minute": 39}
